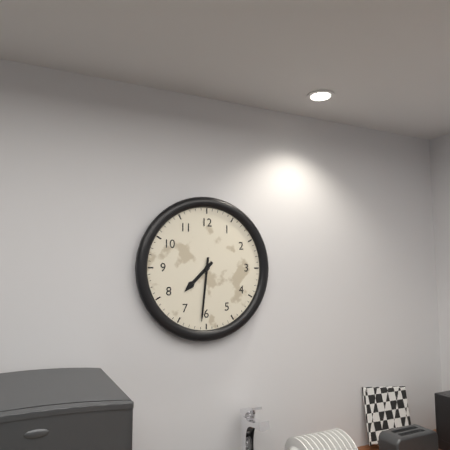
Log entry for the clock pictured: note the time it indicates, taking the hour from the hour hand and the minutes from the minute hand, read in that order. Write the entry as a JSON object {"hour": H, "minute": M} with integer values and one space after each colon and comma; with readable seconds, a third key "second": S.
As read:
{"hour": 7, "minute": 31}
